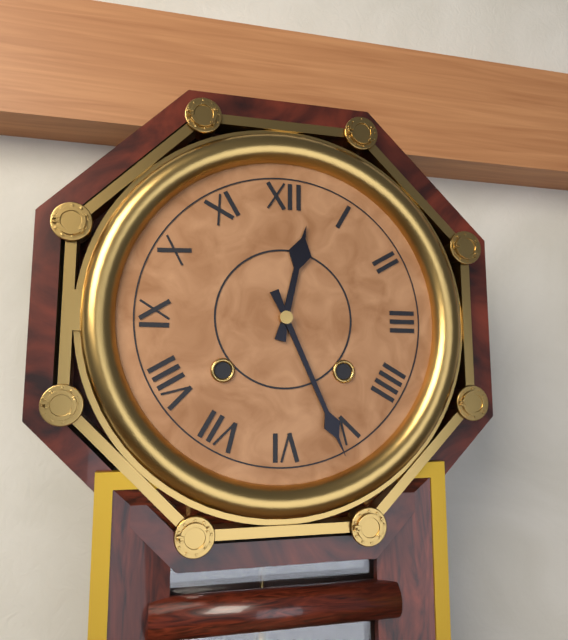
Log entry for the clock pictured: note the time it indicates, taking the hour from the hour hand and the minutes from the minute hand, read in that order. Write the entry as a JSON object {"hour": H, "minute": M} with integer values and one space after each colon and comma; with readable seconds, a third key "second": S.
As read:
{"hour": 12, "minute": 26}
